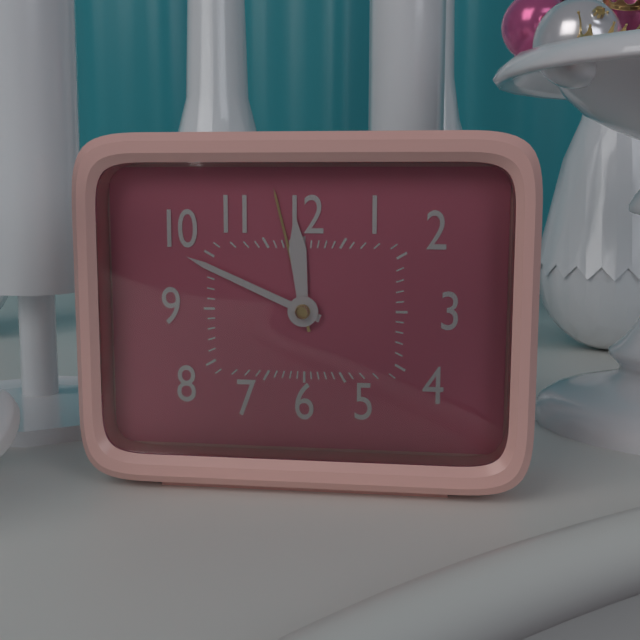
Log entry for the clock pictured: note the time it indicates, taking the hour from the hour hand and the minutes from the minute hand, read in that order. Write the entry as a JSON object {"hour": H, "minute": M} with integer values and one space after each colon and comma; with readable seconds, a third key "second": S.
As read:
{"hour": 11, "minute": 49}
